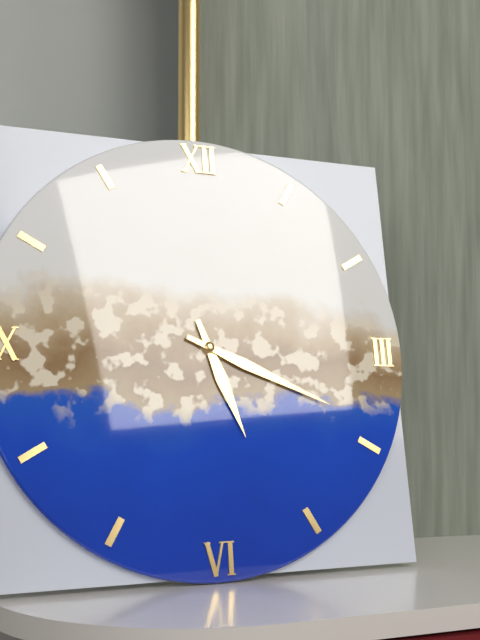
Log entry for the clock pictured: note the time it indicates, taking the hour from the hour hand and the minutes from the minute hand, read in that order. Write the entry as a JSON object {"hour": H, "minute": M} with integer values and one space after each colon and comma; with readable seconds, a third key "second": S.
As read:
{"hour": 5, "minute": 19}
